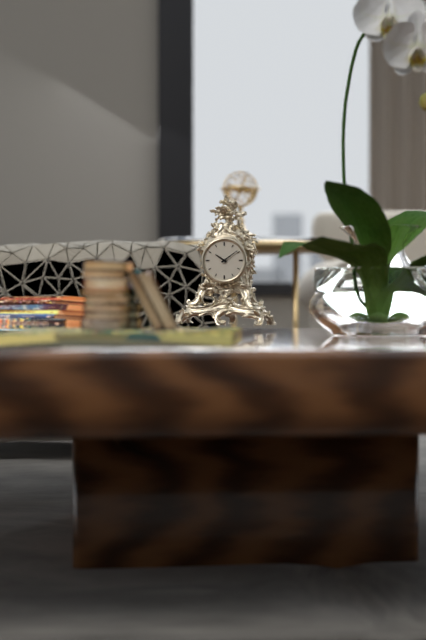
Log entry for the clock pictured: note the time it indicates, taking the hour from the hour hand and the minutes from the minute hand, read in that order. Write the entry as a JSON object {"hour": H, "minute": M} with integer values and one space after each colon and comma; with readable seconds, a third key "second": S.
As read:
{"hour": 10, "minute": 9}
